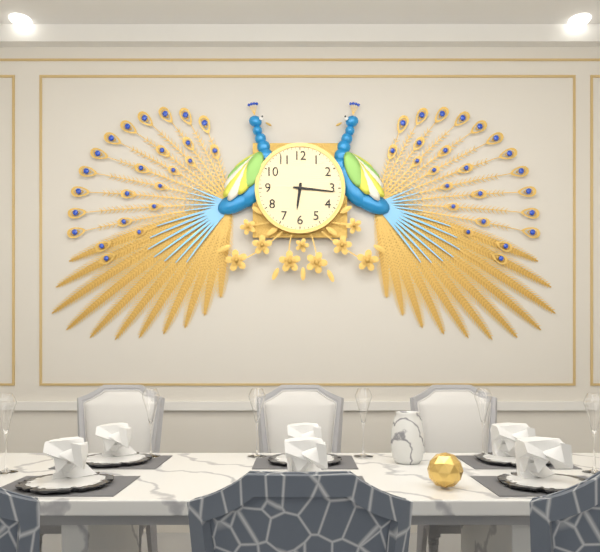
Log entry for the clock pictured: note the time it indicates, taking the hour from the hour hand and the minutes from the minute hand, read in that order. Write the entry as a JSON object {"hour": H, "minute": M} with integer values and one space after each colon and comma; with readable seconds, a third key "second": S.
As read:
{"hour": 6, "minute": 16}
